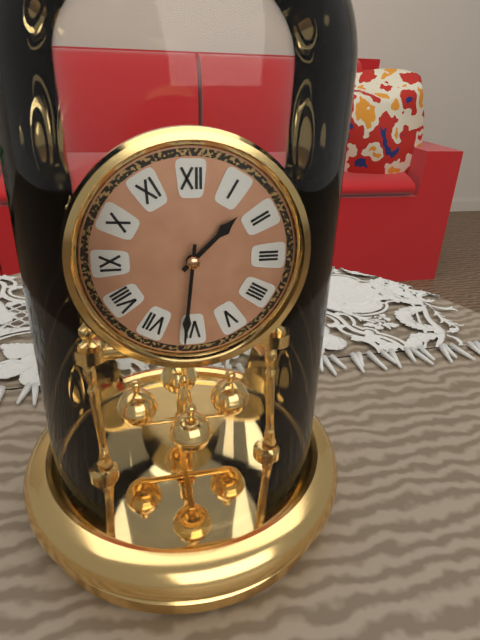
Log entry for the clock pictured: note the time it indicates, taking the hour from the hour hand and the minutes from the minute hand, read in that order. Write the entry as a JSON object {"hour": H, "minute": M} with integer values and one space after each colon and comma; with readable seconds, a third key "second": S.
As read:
{"hour": 1, "minute": 31}
